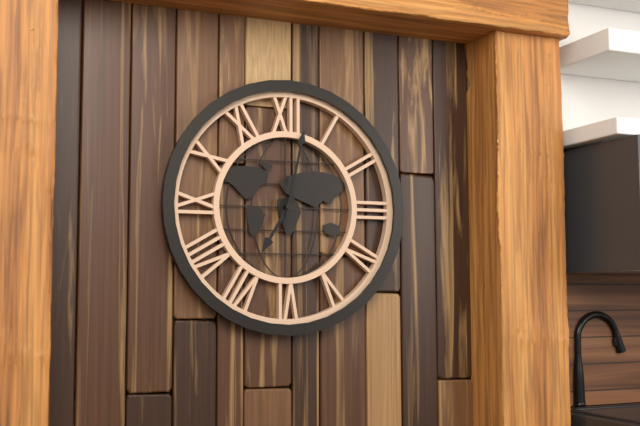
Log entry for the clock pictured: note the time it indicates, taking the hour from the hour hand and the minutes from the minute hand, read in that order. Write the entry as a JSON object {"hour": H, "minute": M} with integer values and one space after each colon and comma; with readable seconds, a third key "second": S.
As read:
{"hour": 7, "minute": 2}
